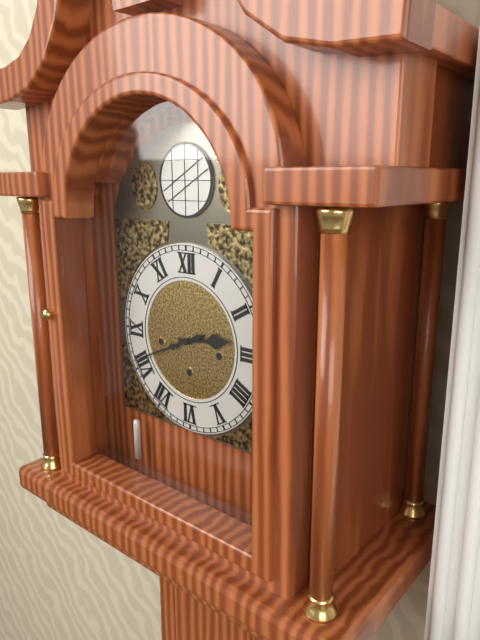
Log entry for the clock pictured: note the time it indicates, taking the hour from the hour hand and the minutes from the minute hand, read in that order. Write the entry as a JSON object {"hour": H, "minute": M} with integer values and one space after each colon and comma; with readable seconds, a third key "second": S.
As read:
{"hour": 2, "minute": 41}
